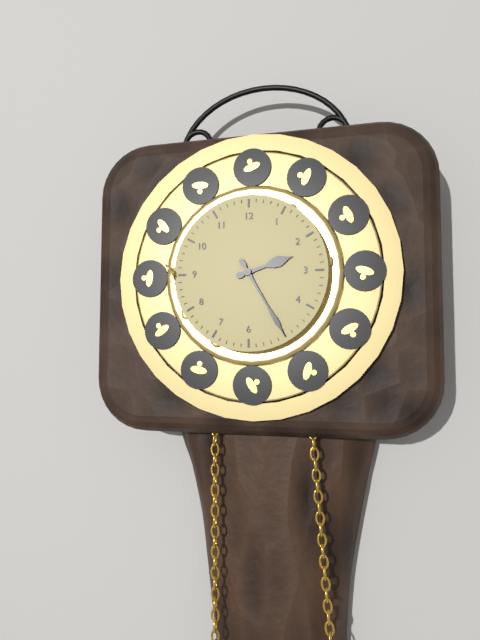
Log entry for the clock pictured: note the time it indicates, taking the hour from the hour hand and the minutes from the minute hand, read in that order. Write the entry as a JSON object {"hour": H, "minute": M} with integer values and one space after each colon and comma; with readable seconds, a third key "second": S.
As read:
{"hour": 2, "minute": 25}
